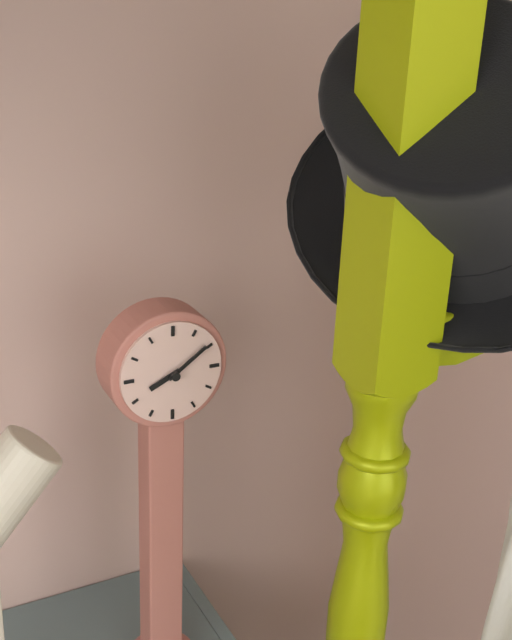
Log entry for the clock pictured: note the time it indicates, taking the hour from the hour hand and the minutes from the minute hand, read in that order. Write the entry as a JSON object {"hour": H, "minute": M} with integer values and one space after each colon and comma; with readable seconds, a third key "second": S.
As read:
{"hour": 8, "minute": 9}
